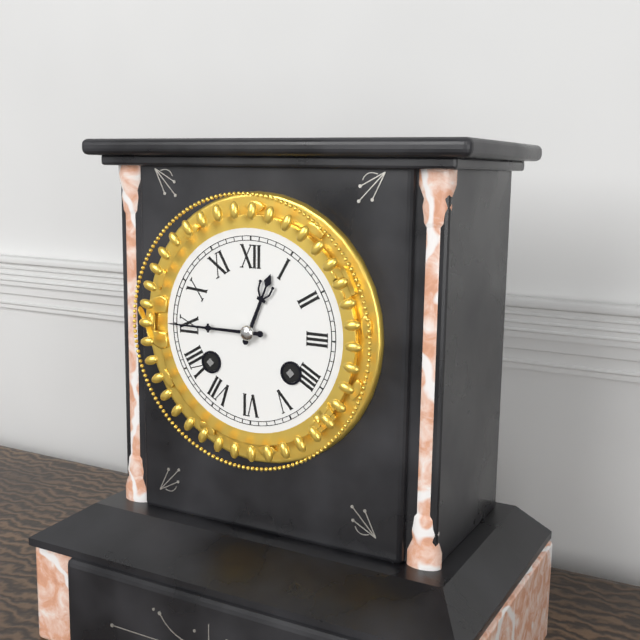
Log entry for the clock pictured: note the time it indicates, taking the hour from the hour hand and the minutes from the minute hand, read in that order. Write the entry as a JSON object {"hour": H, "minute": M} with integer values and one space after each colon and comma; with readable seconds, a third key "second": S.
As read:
{"hour": 12, "minute": 45}
